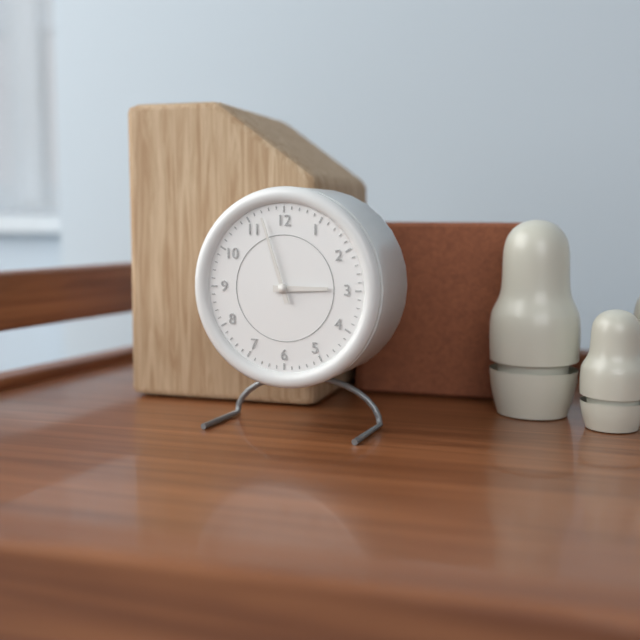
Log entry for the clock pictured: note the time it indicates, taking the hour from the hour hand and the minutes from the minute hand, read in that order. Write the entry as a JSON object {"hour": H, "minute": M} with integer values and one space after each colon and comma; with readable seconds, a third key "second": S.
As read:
{"hour": 2, "minute": 57}
